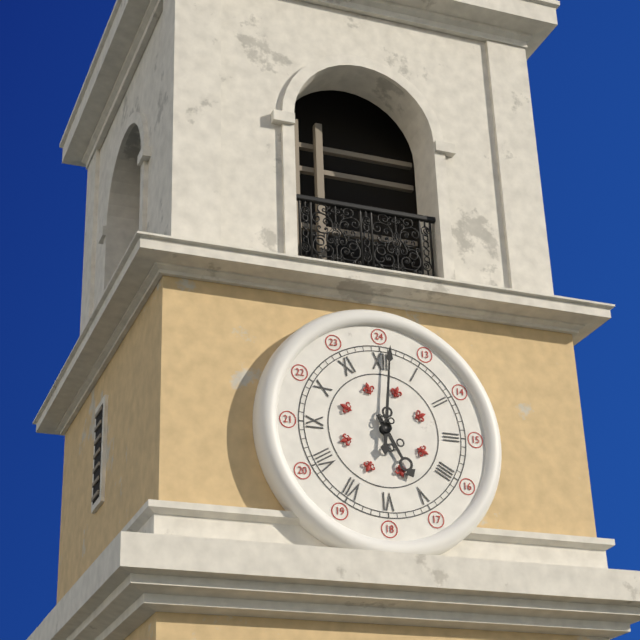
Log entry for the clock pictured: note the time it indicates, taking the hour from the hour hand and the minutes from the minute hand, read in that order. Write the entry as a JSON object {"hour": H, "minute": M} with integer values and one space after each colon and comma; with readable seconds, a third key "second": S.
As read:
{"hour": 5, "minute": 1}
